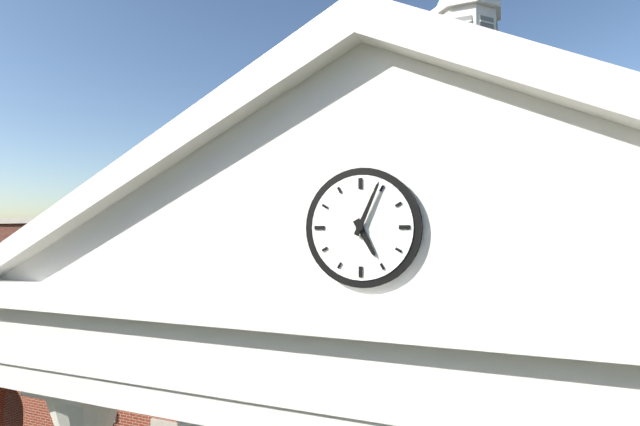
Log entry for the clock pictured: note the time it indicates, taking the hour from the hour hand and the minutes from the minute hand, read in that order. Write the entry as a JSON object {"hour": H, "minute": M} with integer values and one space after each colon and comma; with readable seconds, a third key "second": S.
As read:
{"hour": 5, "minute": 4}
